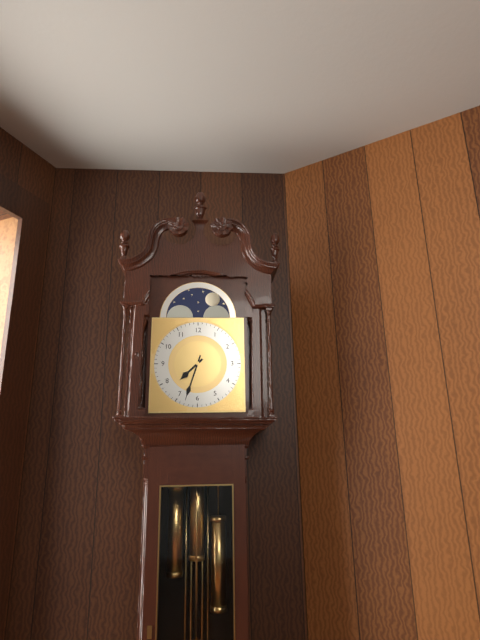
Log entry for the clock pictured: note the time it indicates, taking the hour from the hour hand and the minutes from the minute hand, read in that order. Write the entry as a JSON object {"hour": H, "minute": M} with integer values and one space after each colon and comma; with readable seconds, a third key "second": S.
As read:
{"hour": 7, "minute": 33}
